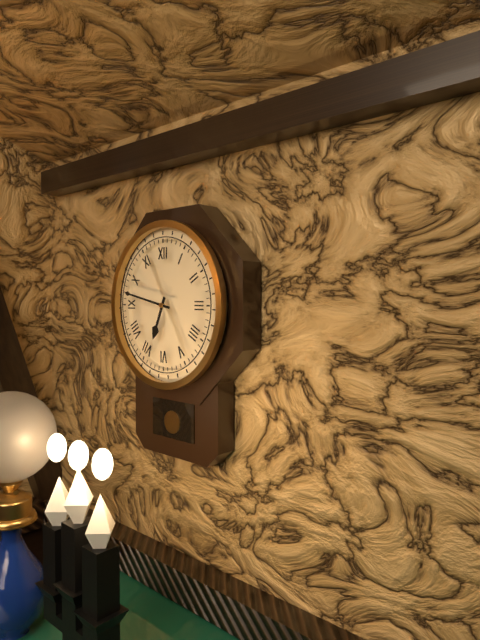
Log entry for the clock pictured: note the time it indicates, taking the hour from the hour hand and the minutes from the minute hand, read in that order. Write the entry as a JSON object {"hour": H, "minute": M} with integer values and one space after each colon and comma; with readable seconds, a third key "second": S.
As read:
{"hour": 6, "minute": 47}
